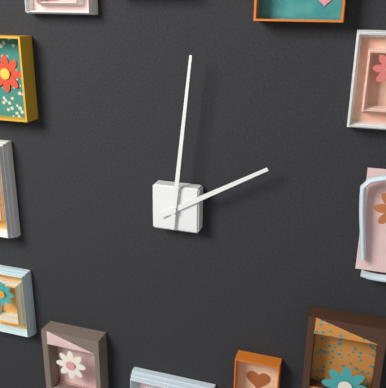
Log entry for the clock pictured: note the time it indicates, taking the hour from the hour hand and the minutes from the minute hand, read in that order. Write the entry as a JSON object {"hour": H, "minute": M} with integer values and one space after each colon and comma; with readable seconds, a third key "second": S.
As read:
{"hour": 2, "minute": 1}
